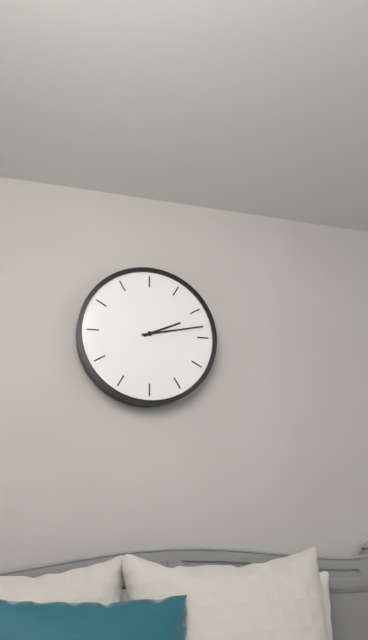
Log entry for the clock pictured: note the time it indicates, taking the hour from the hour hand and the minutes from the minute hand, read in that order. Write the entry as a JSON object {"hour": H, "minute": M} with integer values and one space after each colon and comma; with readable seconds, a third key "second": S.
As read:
{"hour": 2, "minute": 13}
